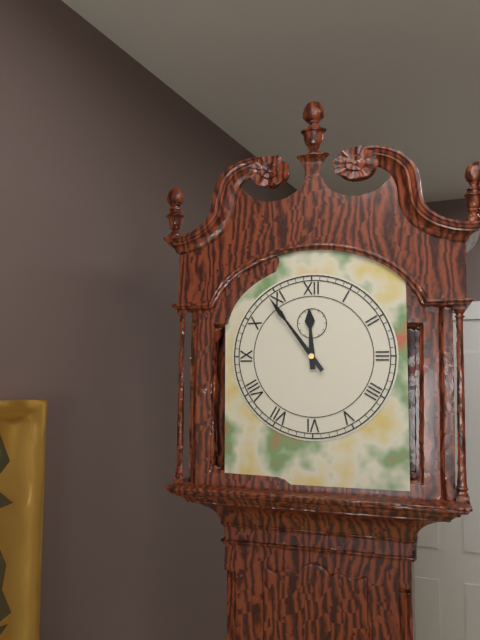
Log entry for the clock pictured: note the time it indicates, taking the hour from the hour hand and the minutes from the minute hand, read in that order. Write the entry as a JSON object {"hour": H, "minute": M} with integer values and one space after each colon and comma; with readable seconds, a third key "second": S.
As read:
{"hour": 11, "minute": 54}
